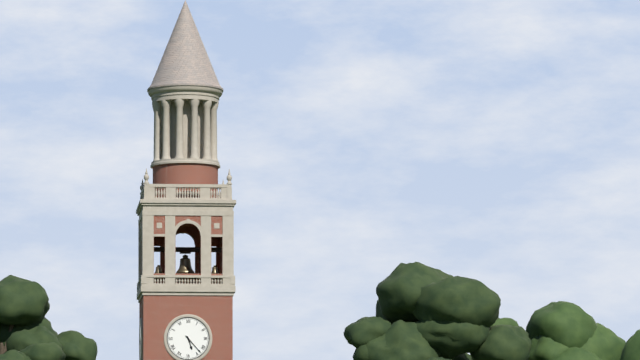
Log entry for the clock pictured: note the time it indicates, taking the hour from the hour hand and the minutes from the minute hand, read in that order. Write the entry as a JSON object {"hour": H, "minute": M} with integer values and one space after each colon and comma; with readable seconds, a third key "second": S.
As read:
{"hour": 5, "minute": 23}
